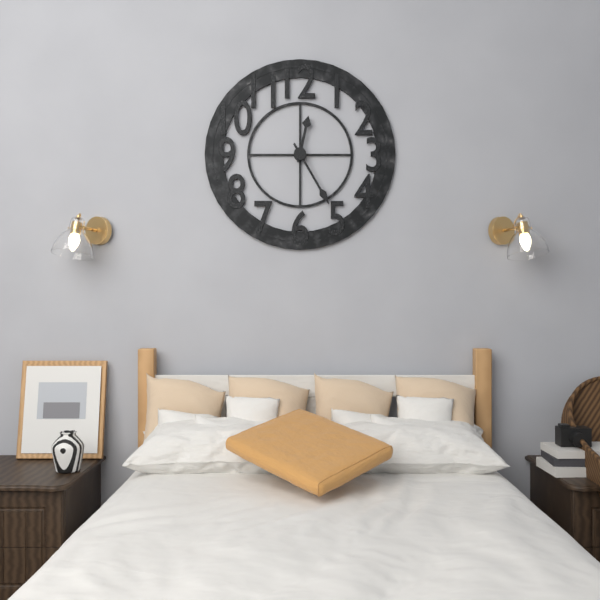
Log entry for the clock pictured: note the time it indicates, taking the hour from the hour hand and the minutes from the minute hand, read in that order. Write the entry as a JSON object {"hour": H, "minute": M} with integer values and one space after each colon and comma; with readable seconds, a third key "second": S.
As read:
{"hour": 12, "minute": 25}
